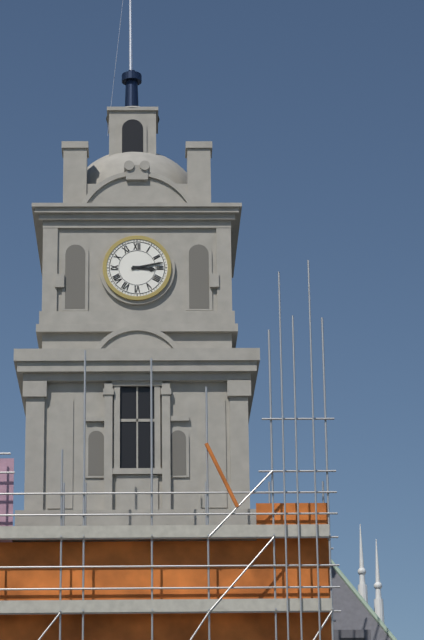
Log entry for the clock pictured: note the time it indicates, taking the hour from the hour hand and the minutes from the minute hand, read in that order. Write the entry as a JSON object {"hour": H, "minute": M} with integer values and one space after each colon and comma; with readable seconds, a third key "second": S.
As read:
{"hour": 3, "minute": 13}
